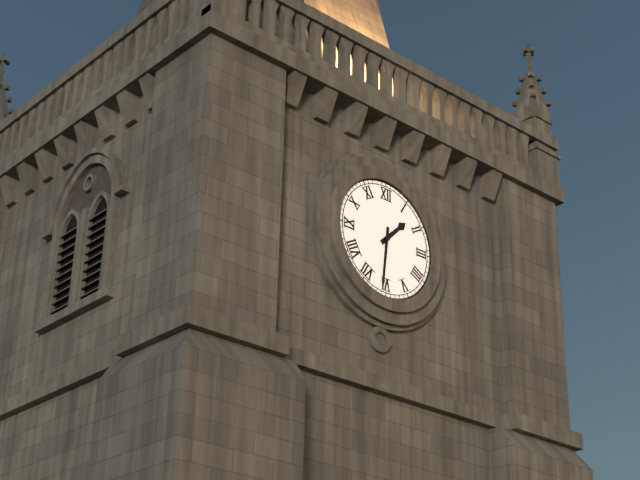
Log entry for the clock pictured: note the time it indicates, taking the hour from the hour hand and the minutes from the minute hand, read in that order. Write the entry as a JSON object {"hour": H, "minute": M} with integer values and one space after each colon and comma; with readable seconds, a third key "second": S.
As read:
{"hour": 1, "minute": 31}
